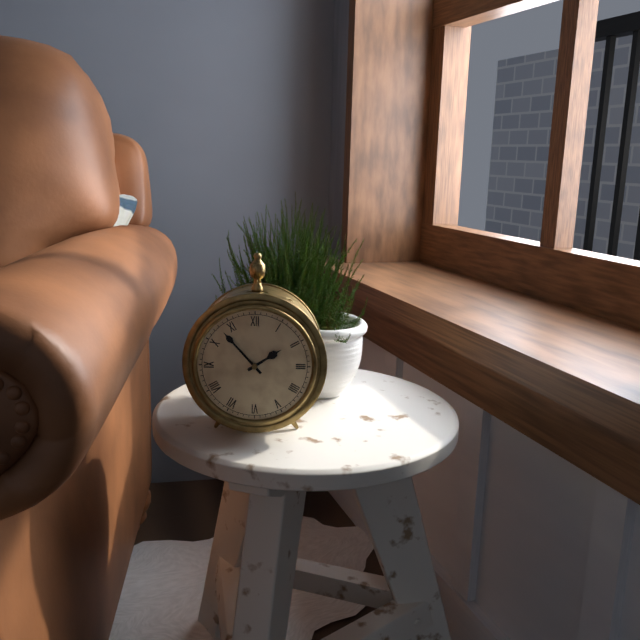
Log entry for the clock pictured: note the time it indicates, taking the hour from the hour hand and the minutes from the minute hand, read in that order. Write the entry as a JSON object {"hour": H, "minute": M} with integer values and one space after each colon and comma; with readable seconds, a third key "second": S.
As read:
{"hour": 1, "minute": 53}
